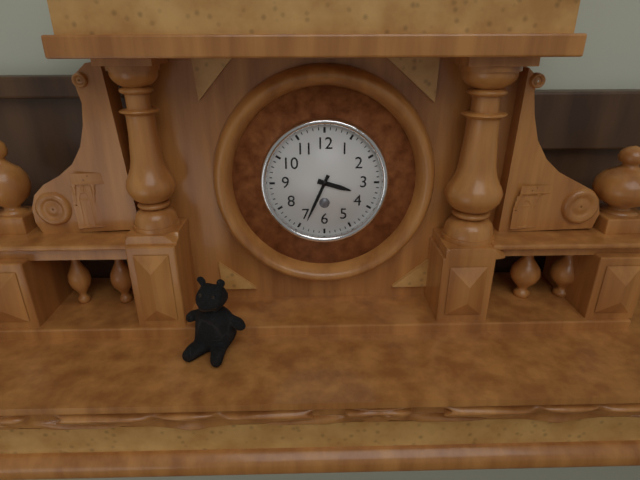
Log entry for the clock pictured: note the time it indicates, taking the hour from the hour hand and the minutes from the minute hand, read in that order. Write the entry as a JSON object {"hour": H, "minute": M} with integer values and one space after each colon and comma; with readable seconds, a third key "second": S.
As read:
{"hour": 3, "minute": 34}
